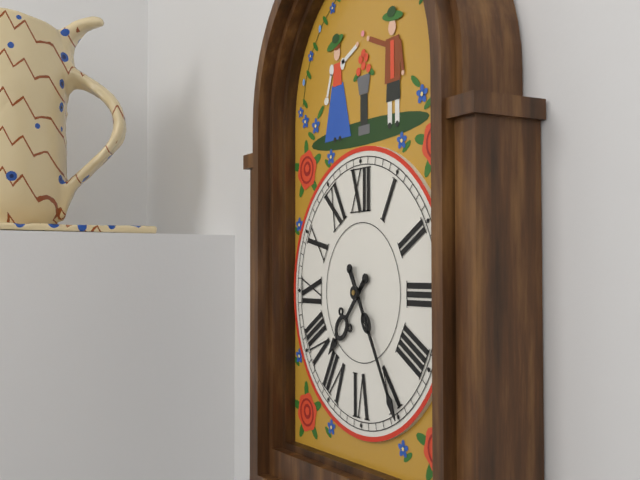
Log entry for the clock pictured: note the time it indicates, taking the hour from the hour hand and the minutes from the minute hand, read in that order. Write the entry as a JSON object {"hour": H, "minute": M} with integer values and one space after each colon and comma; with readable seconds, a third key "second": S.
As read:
{"hour": 7, "minute": 25}
